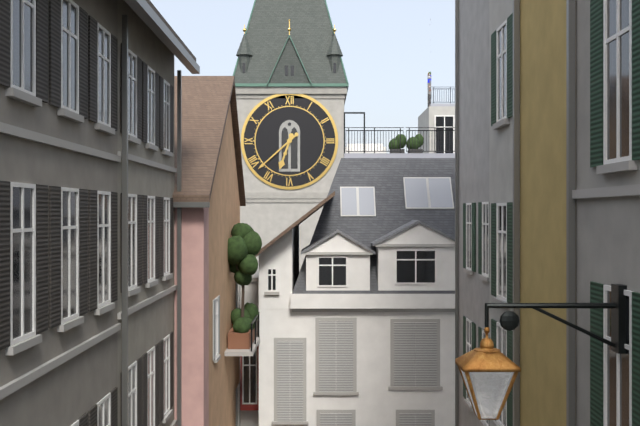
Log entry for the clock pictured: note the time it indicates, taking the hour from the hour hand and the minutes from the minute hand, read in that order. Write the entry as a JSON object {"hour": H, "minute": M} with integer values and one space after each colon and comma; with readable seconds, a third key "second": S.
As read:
{"hour": 6, "minute": 38}
